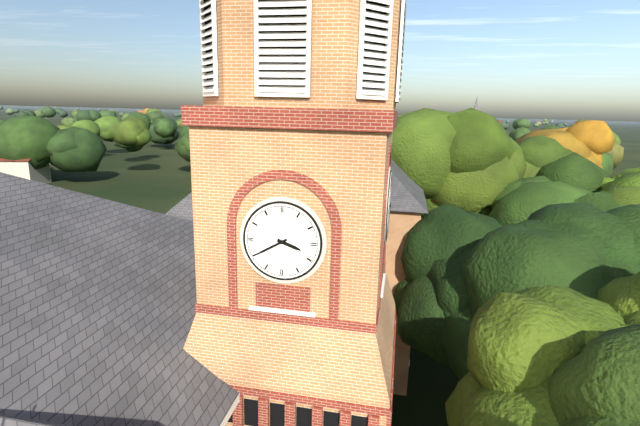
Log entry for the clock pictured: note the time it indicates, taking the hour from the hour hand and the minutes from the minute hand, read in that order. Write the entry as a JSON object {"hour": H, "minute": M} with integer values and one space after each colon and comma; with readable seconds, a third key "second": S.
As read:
{"hour": 3, "minute": 40}
